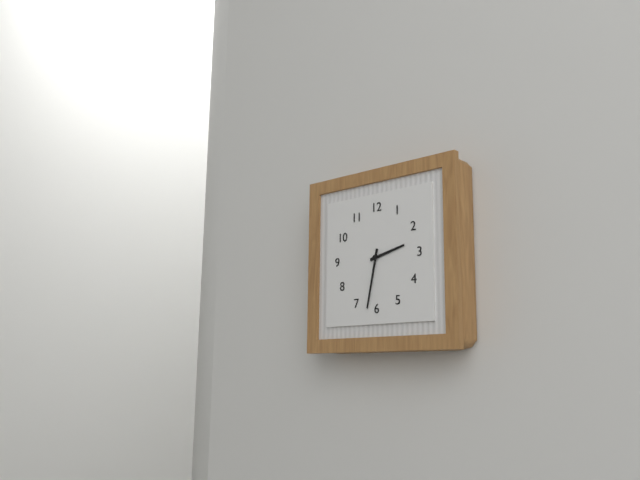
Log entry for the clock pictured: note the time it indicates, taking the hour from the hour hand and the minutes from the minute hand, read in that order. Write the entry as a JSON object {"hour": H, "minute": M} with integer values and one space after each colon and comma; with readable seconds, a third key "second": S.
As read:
{"hour": 2, "minute": 32}
